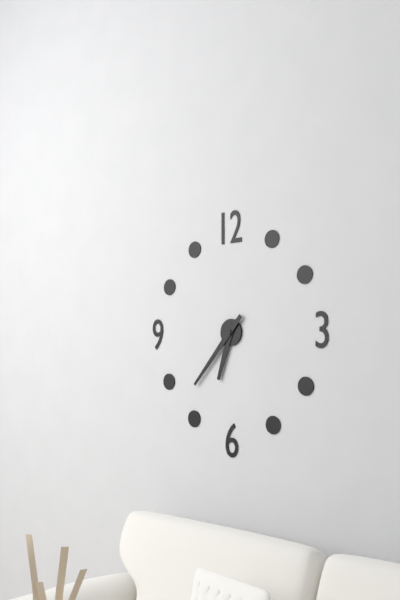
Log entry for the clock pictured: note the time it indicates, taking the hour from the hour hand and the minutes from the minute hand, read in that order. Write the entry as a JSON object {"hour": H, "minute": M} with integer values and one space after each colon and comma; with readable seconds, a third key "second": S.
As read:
{"hour": 6, "minute": 37}
